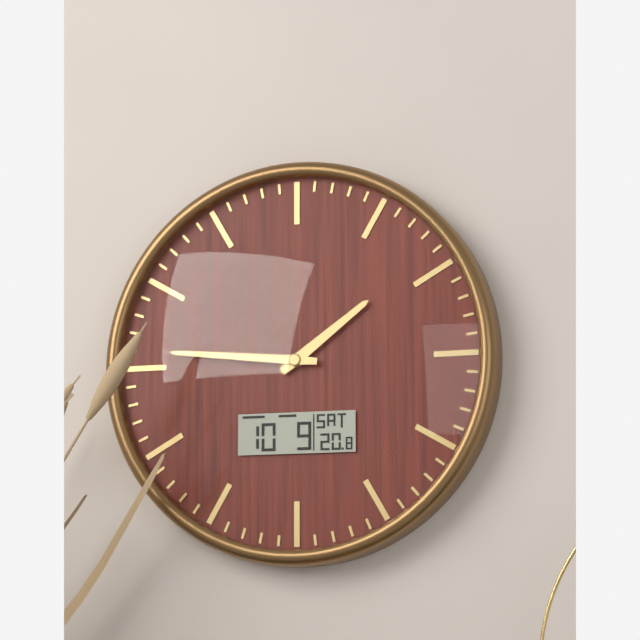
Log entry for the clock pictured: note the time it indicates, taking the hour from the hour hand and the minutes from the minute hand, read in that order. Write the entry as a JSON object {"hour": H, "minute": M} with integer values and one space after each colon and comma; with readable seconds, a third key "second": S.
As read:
{"hour": 1, "minute": 46}
